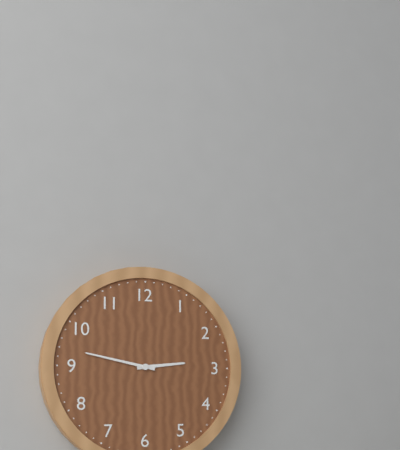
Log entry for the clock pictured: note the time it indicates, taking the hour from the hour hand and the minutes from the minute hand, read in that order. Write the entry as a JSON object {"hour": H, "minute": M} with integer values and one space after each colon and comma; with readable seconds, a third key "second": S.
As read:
{"hour": 2, "minute": 47}
